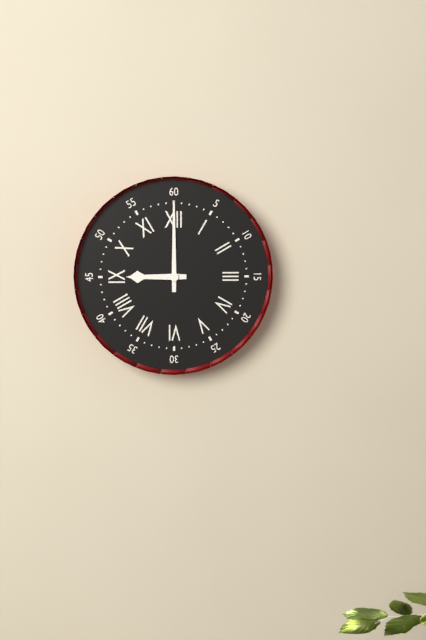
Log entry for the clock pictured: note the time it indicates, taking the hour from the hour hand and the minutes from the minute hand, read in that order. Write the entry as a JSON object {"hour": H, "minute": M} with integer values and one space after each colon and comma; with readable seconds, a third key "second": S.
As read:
{"hour": 9, "minute": 0}
